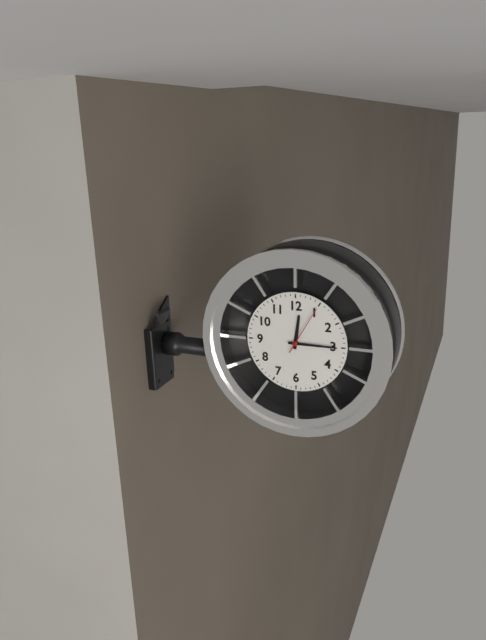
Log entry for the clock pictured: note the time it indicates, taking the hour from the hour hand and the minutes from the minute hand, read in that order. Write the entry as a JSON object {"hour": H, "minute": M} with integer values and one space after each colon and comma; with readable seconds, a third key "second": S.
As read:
{"hour": 12, "minute": 15}
